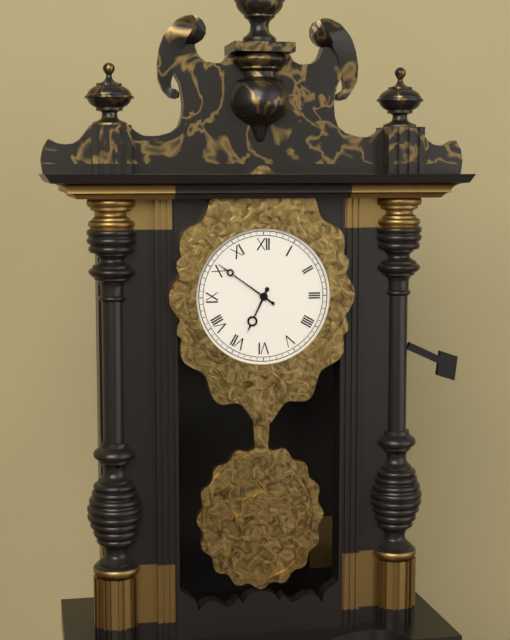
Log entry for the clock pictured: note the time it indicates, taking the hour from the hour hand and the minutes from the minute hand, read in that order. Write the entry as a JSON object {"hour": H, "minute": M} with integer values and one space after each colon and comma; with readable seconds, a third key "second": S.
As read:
{"hour": 6, "minute": 51}
